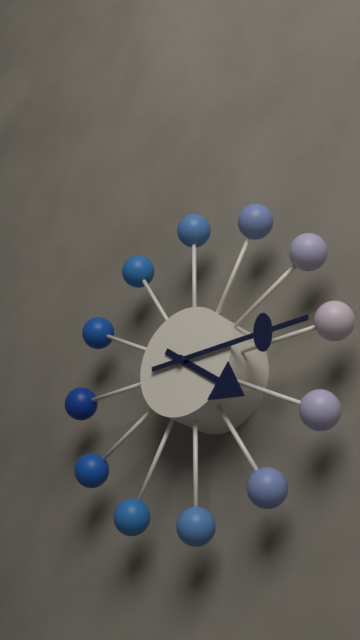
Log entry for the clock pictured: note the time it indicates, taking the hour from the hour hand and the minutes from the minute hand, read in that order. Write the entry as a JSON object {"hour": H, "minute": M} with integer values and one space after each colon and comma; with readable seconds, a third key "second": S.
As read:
{"hour": 4, "minute": 15}
